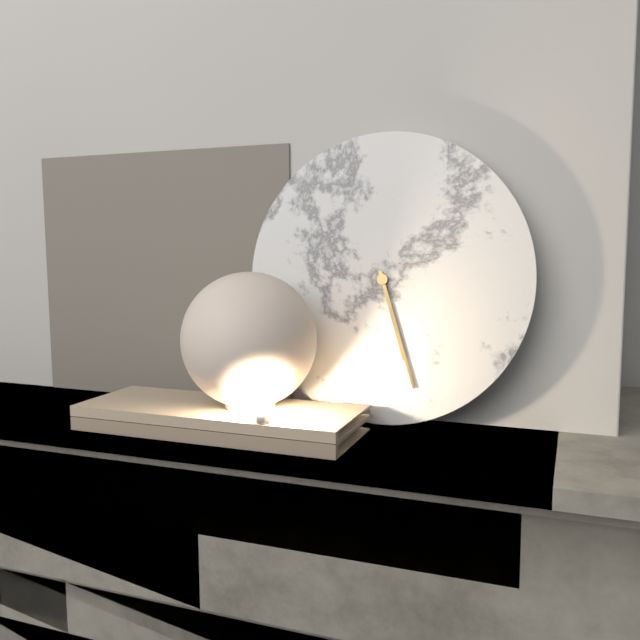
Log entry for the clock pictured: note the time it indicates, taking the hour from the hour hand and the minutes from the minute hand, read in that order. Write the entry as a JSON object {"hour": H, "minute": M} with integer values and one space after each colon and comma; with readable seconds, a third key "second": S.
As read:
{"hour": 5, "minute": 27}
